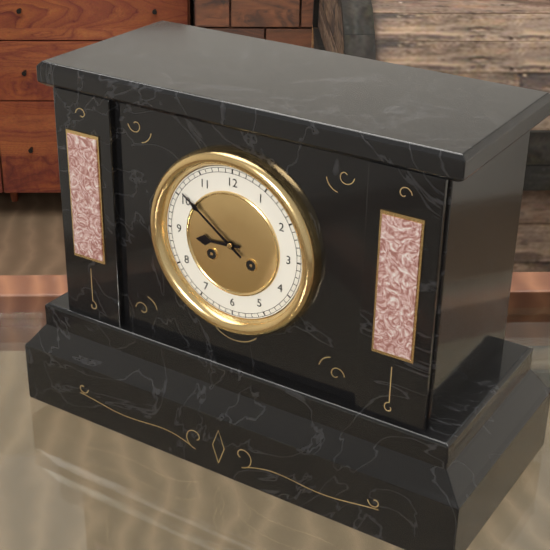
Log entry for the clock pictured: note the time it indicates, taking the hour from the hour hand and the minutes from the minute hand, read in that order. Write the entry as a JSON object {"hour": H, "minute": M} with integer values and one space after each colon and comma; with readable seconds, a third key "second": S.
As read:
{"hour": 8, "minute": 51}
